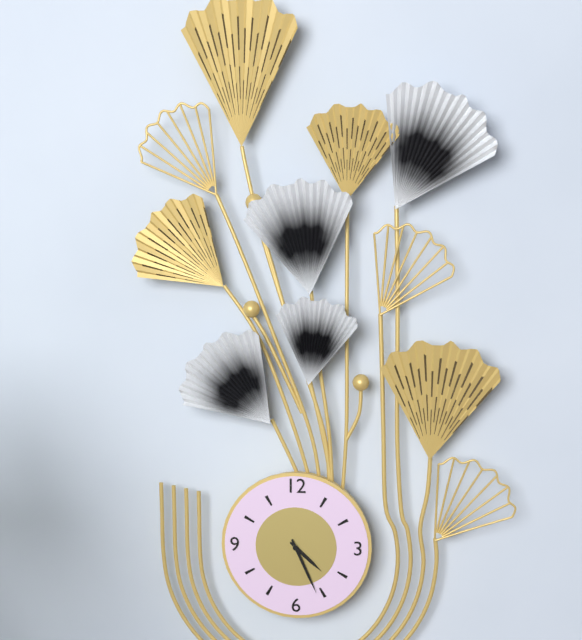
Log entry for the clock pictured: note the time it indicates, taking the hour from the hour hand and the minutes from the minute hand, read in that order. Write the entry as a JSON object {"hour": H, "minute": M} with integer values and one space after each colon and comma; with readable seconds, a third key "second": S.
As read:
{"hour": 4, "minute": 26}
